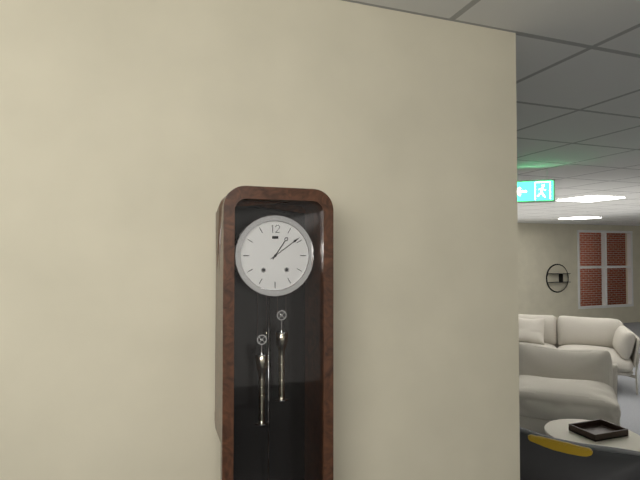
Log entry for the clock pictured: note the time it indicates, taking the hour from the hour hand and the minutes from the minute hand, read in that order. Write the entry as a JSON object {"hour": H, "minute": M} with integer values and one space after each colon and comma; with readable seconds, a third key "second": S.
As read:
{"hour": 1, "minute": 9}
